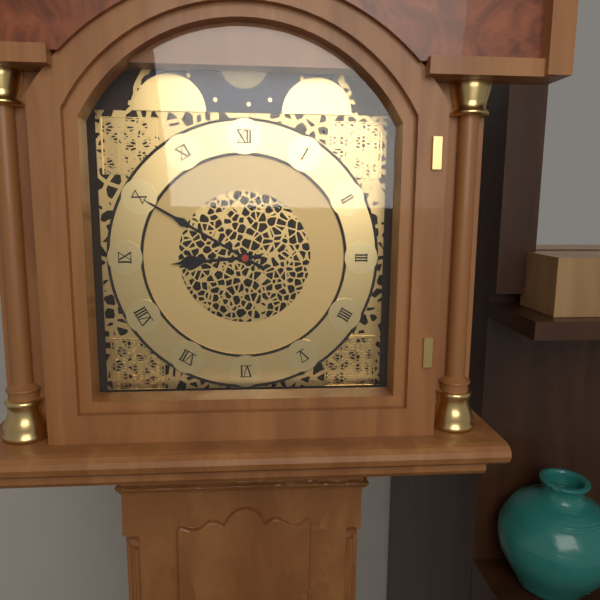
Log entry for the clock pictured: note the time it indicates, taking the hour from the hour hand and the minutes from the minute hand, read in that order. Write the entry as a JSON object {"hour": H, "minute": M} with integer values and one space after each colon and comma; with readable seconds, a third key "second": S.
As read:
{"hour": 8, "minute": 50}
